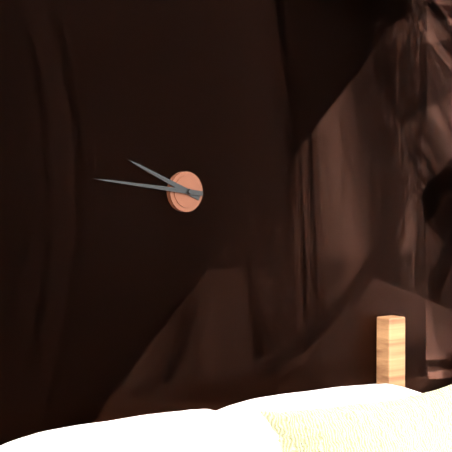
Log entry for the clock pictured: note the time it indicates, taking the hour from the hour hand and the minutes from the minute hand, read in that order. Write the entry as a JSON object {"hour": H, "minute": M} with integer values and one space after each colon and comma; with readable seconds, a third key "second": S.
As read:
{"hour": 9, "minute": 46}
